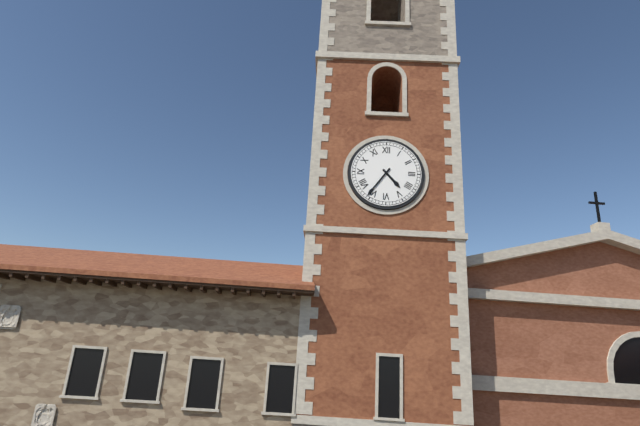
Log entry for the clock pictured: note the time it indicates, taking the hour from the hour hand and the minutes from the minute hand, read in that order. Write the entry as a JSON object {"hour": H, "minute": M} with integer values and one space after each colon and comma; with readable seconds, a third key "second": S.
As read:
{"hour": 4, "minute": 36}
